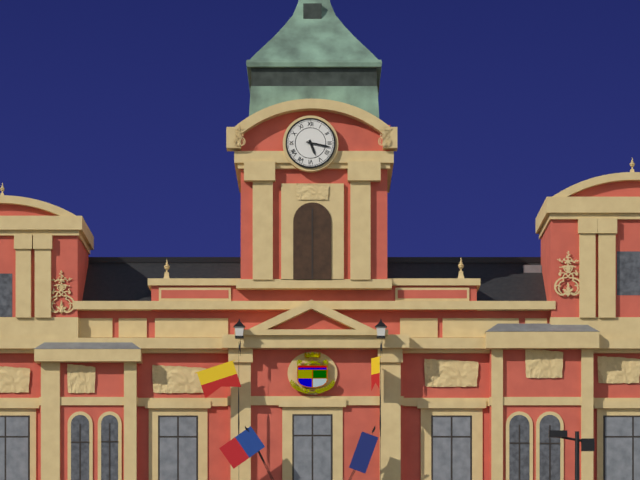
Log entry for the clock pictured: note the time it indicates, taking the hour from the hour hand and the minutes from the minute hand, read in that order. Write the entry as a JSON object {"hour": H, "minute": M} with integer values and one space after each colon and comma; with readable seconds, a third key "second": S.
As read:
{"hour": 5, "minute": 17}
